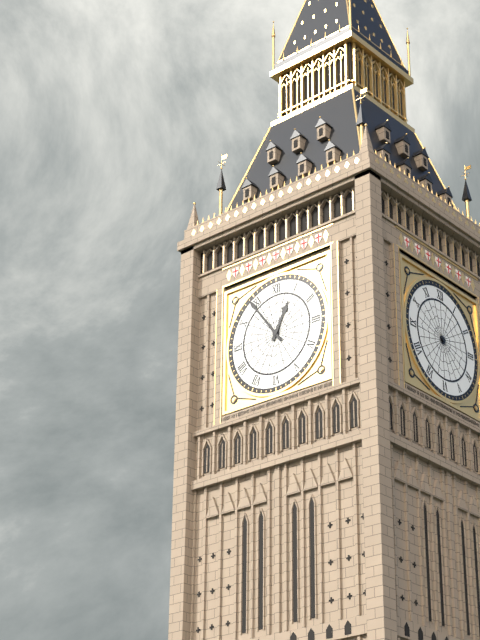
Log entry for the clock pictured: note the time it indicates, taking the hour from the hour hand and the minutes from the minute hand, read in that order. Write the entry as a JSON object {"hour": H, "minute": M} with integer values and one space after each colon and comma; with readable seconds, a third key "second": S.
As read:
{"hour": 12, "minute": 54}
